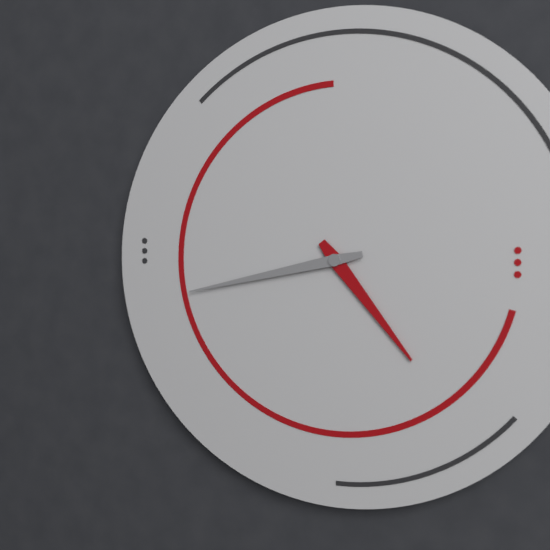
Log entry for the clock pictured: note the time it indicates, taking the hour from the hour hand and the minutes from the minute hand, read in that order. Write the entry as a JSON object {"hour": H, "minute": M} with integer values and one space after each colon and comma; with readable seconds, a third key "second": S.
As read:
{"hour": 4, "minute": 43}
